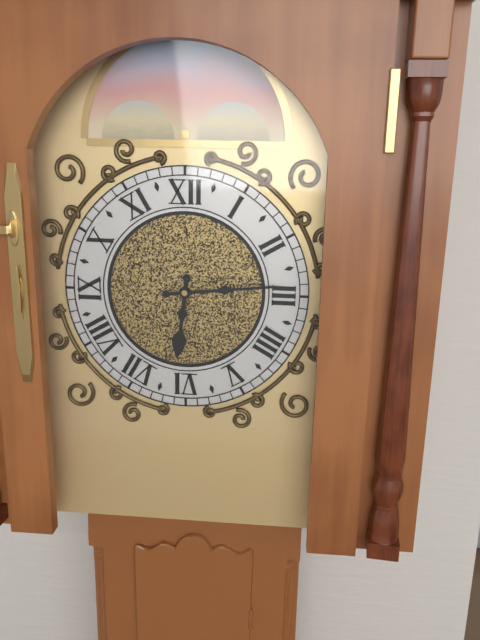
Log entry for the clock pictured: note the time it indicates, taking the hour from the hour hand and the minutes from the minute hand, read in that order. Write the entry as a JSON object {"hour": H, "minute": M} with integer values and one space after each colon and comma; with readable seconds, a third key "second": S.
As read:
{"hour": 6, "minute": 14}
